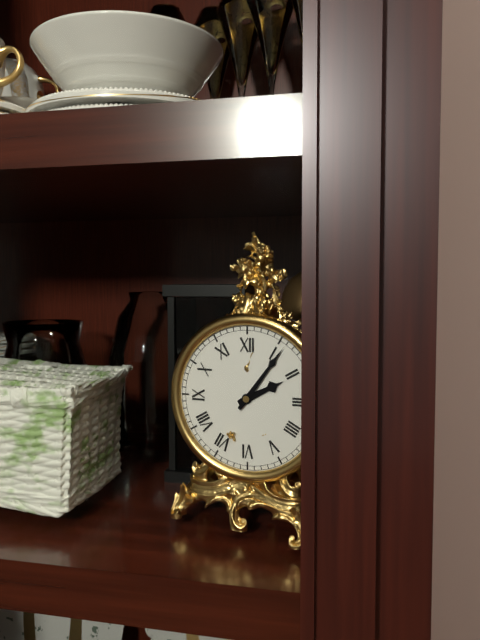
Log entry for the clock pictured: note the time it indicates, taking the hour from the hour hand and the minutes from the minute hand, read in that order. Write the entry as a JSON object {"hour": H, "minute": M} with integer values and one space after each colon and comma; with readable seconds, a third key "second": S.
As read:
{"hour": 2, "minute": 6}
